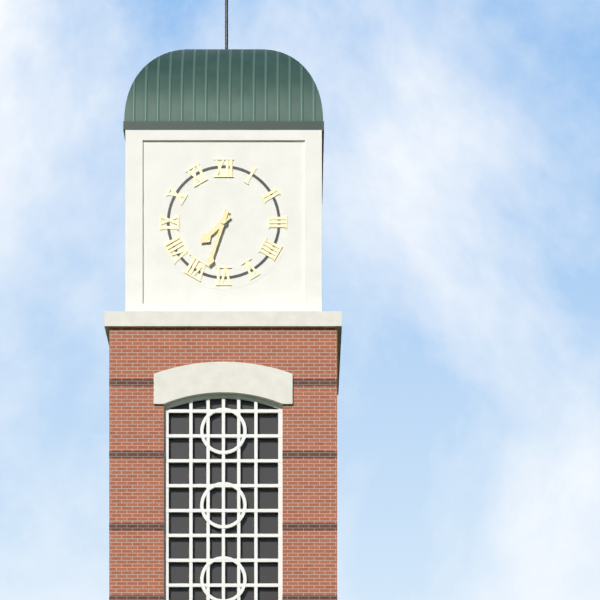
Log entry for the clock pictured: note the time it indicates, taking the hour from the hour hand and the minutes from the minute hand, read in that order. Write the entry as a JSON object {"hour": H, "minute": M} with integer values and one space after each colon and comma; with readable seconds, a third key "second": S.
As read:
{"hour": 7, "minute": 33}
